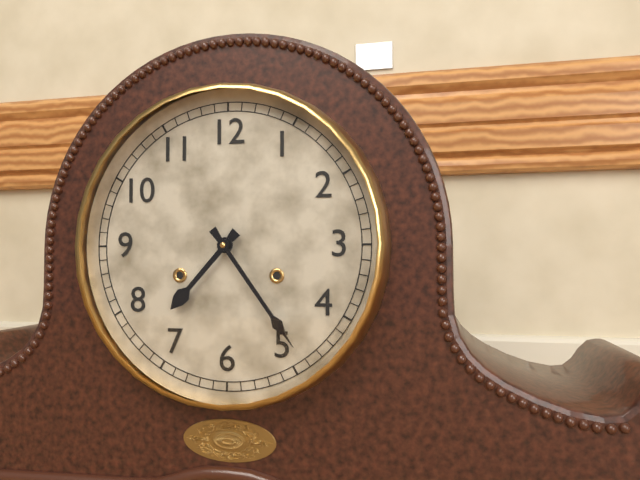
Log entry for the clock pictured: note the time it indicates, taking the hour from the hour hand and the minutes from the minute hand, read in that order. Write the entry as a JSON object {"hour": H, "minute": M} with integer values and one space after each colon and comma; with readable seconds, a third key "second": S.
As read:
{"hour": 7, "minute": 24}
